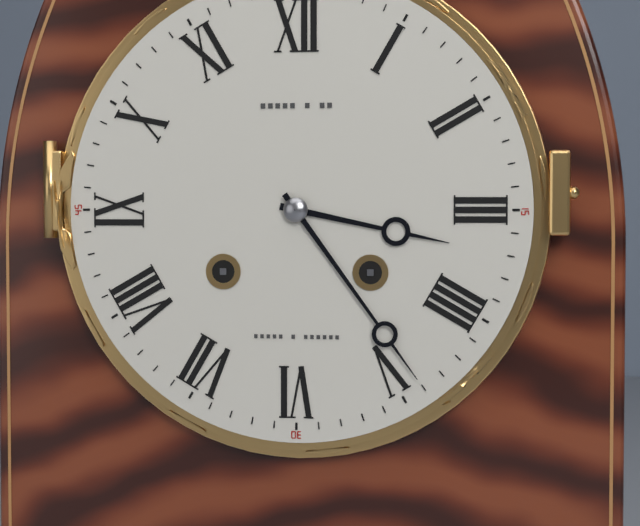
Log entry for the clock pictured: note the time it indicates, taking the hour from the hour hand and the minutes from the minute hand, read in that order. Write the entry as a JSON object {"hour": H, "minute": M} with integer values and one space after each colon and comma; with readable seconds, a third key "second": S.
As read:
{"hour": 3, "minute": 24}
